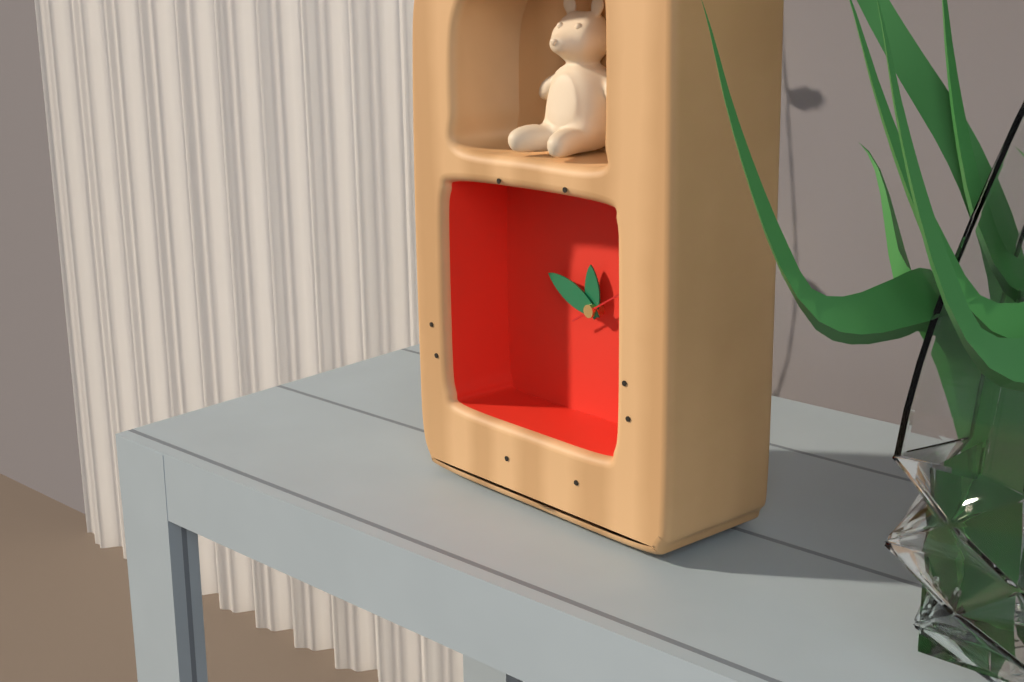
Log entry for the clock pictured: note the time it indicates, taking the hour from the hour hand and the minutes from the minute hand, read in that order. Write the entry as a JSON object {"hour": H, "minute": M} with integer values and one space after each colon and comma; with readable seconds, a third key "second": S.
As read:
{"hour": 11, "minute": 49}
